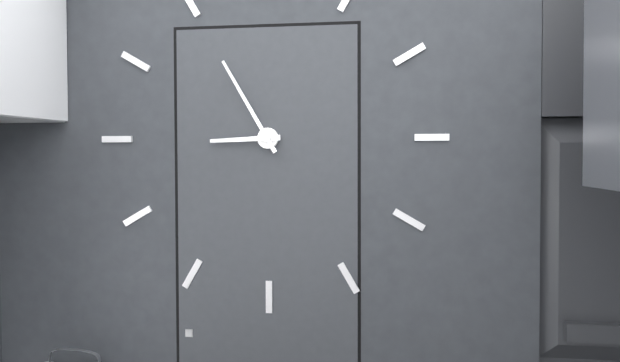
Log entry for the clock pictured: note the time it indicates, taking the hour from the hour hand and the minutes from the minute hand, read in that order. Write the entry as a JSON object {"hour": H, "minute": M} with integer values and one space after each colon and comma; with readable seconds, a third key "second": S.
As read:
{"hour": 8, "minute": 55}
